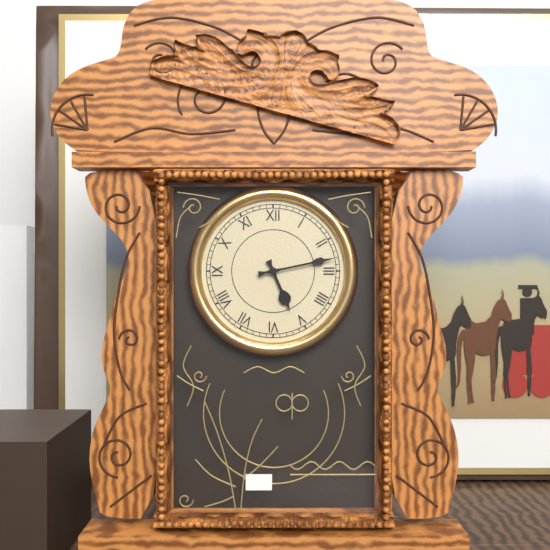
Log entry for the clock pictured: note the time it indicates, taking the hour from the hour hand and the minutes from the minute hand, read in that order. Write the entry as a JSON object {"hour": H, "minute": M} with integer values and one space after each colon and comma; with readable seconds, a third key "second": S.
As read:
{"hour": 5, "minute": 13}
